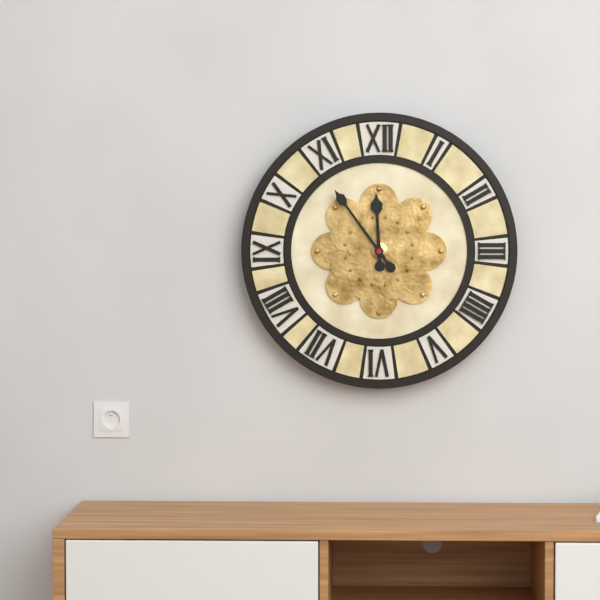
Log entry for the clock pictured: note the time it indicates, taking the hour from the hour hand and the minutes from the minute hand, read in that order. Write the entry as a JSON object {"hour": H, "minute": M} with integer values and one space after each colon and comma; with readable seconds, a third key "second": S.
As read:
{"hour": 11, "minute": 54}
